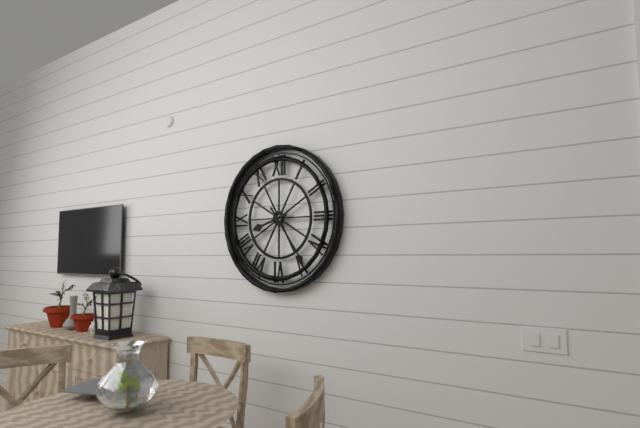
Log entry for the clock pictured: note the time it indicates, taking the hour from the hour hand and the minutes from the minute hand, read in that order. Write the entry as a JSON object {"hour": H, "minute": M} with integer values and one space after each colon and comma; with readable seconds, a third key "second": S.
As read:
{"hour": 8, "minute": 24}
